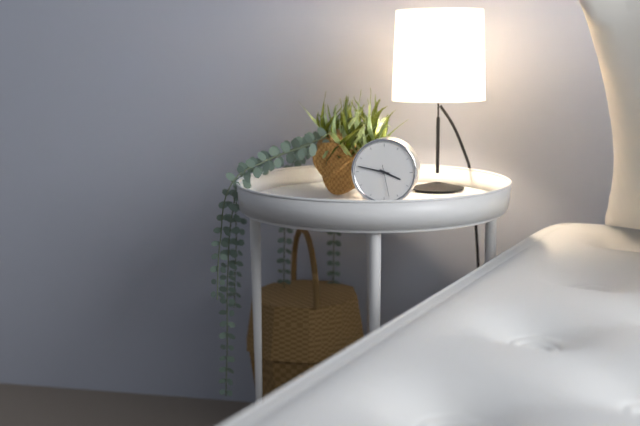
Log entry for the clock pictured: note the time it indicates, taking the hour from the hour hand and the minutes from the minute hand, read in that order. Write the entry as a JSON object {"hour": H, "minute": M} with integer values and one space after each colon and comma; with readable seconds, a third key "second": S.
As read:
{"hour": 3, "minute": 47}
